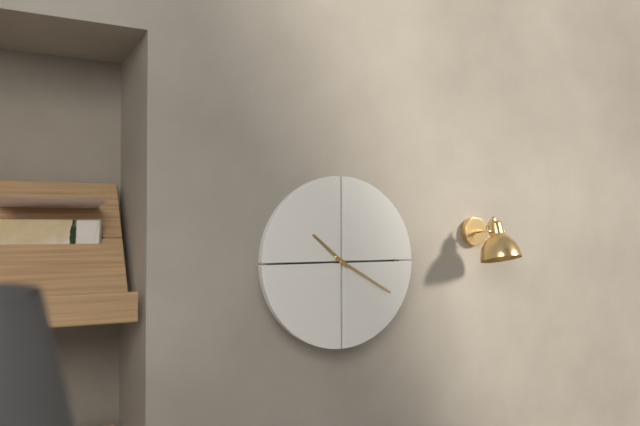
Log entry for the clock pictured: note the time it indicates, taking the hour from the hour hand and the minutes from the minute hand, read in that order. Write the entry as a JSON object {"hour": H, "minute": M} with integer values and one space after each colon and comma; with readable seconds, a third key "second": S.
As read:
{"hour": 10, "minute": 20}
